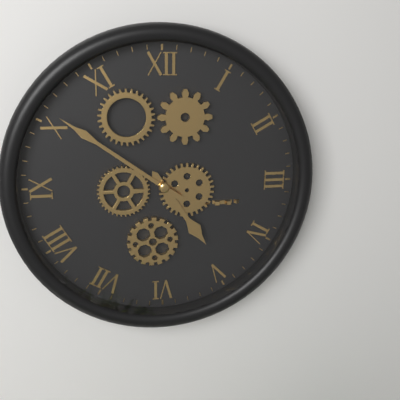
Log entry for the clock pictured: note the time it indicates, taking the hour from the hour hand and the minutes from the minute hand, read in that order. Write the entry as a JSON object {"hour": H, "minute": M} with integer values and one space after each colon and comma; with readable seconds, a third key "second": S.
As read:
{"hour": 4, "minute": 51}
